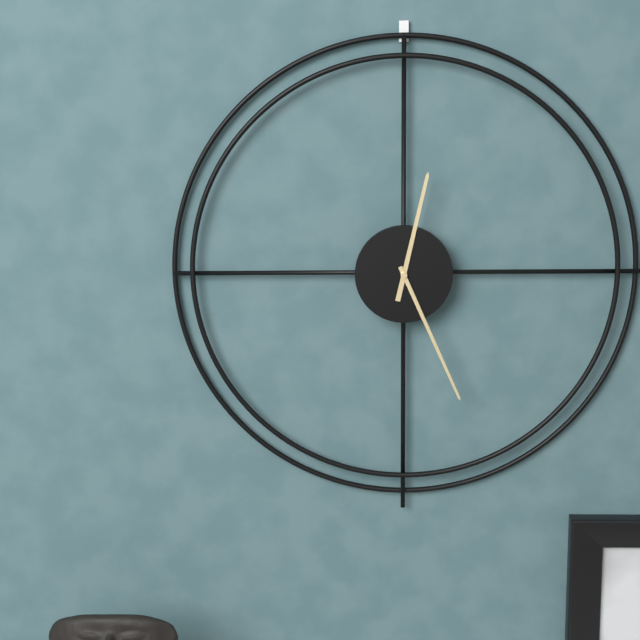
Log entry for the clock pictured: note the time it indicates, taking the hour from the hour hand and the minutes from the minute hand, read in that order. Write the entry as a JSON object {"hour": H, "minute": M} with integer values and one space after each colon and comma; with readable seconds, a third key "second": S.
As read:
{"hour": 12, "minute": 26}
